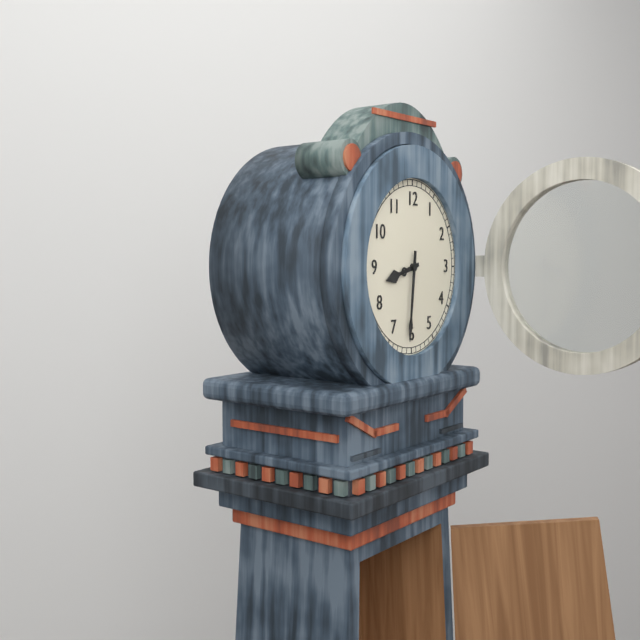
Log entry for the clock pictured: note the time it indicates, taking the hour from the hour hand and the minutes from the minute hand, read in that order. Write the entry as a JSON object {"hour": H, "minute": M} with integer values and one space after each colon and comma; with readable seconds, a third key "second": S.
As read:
{"hour": 8, "minute": 31}
